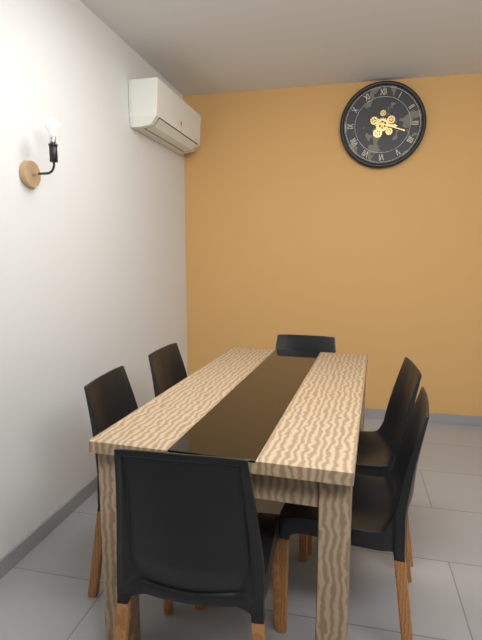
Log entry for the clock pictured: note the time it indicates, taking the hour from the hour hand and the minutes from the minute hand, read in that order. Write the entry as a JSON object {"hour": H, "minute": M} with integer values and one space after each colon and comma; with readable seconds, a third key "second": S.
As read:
{"hour": 3, "minute": 18}
